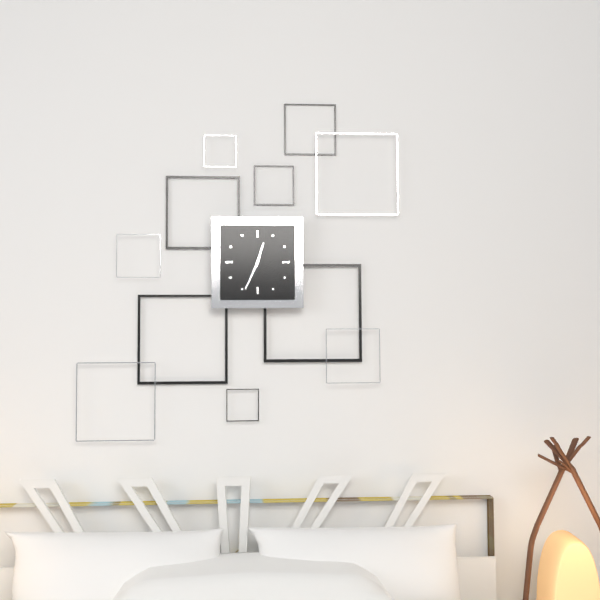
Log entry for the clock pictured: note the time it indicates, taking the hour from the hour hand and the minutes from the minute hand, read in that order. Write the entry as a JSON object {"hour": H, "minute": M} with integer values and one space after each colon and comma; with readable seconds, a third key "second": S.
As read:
{"hour": 12, "minute": 34}
